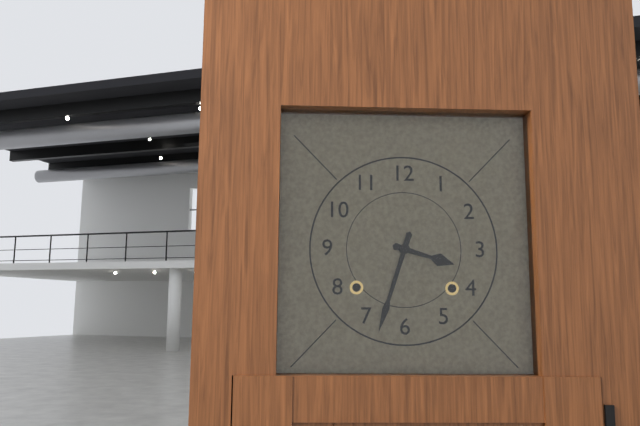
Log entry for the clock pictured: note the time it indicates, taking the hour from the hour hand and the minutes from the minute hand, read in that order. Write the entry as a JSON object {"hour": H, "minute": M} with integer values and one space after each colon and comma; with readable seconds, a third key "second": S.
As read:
{"hour": 3, "minute": 33}
